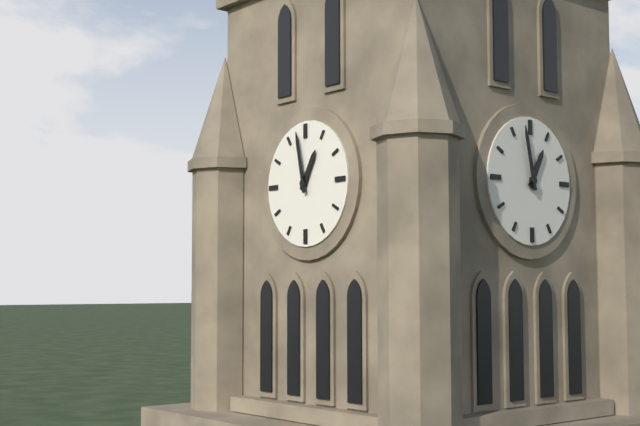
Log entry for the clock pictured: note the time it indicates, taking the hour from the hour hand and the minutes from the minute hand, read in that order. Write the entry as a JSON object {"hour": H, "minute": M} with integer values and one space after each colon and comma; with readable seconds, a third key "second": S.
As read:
{"hour": 12, "minute": 58}
